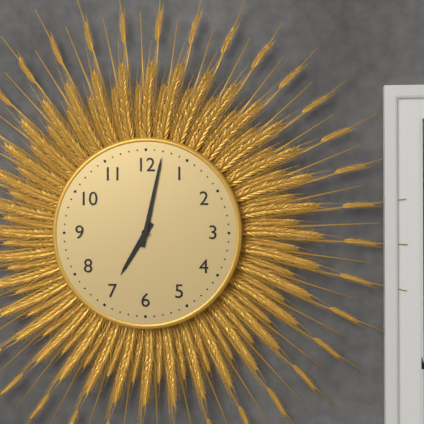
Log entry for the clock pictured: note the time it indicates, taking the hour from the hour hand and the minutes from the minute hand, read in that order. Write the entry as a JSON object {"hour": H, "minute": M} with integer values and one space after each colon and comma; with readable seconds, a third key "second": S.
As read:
{"hour": 7, "minute": 2}
